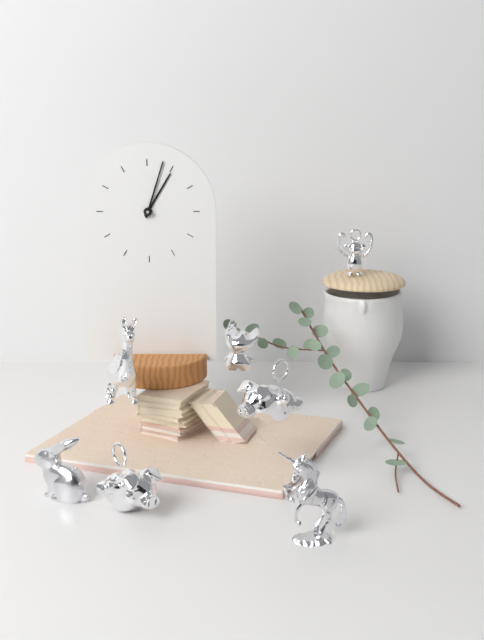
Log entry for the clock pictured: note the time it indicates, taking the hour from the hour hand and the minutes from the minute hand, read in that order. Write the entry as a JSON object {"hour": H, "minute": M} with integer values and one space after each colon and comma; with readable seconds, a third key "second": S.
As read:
{"hour": 1, "minute": 3}
